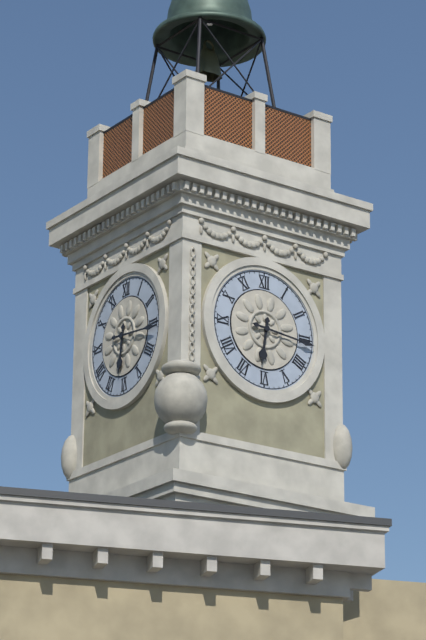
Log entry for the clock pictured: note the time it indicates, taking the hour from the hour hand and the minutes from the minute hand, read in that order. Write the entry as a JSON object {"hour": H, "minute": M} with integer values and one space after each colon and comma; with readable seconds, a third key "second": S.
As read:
{"hour": 6, "minute": 16}
